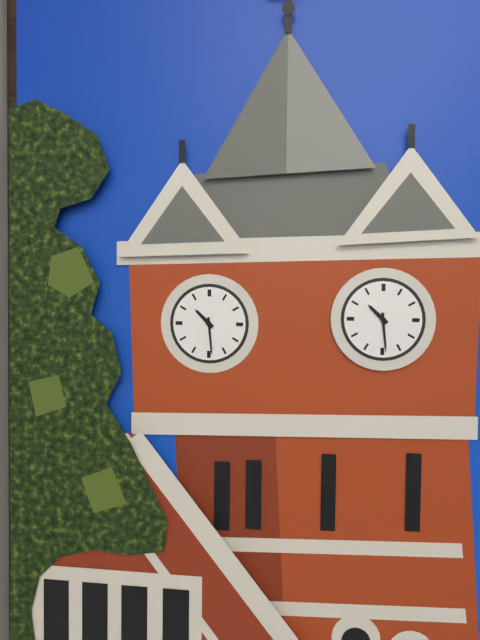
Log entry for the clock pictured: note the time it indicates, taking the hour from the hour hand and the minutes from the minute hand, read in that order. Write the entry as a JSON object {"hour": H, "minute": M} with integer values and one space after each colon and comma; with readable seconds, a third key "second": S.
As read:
{"hour": 10, "minute": 29}
